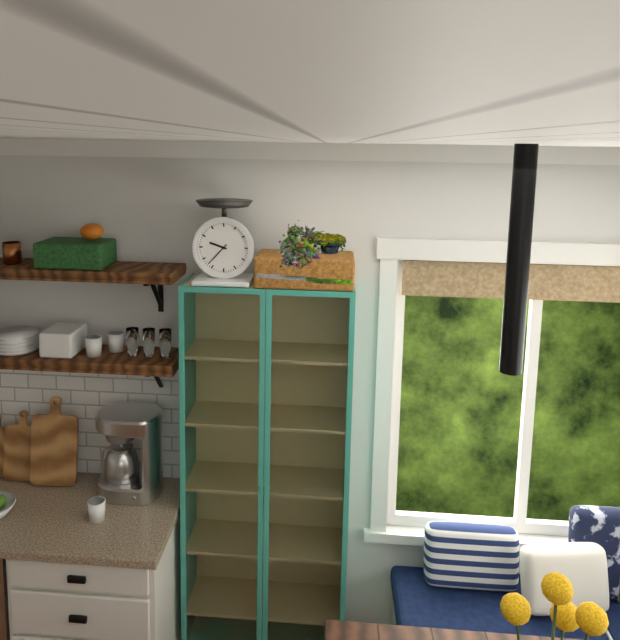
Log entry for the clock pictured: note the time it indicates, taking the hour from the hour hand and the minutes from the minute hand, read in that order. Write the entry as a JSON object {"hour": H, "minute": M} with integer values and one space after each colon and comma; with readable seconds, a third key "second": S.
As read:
{"hour": 9, "minute": 37}
